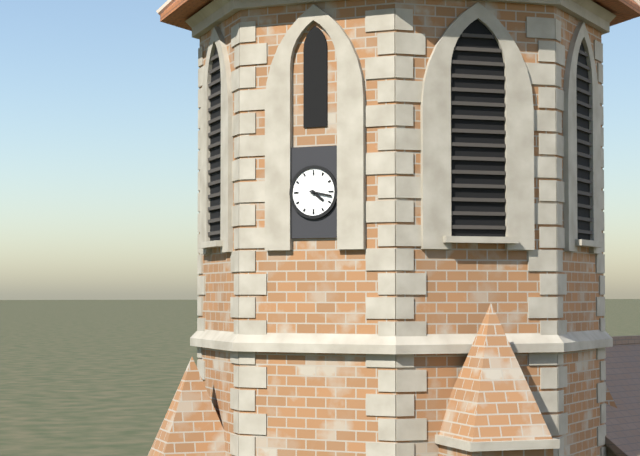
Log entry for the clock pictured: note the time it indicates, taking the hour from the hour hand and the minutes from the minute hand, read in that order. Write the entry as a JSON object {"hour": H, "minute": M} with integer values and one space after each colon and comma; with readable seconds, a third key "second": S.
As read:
{"hour": 4, "minute": 17}
